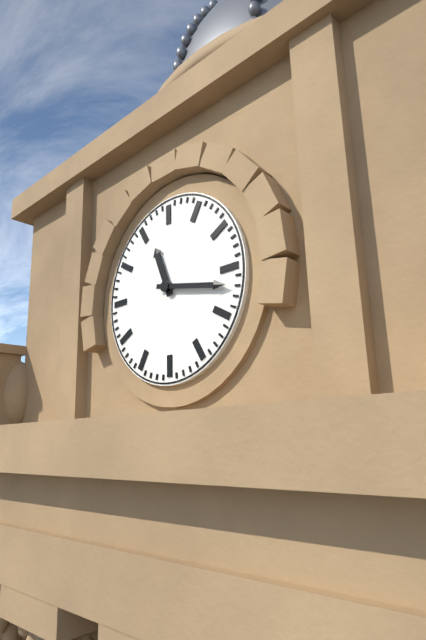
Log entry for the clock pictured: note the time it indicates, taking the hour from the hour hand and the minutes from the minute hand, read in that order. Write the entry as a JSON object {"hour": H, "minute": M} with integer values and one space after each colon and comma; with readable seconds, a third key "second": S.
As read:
{"hour": 11, "minute": 17}
